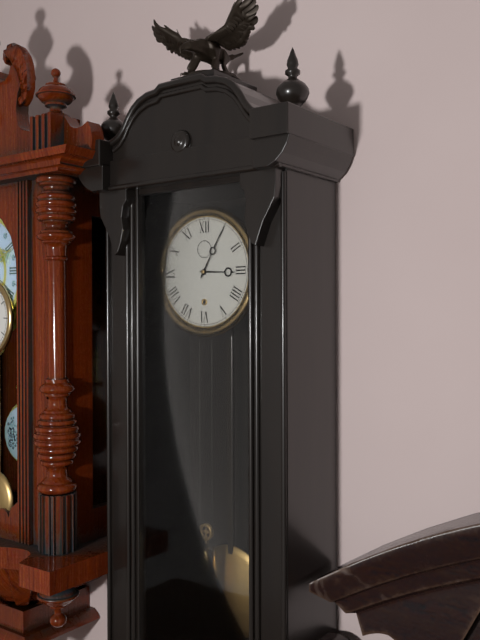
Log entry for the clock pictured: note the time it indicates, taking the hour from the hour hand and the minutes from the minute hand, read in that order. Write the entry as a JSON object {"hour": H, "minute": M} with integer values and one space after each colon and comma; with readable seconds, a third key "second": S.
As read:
{"hour": 3, "minute": 5}
